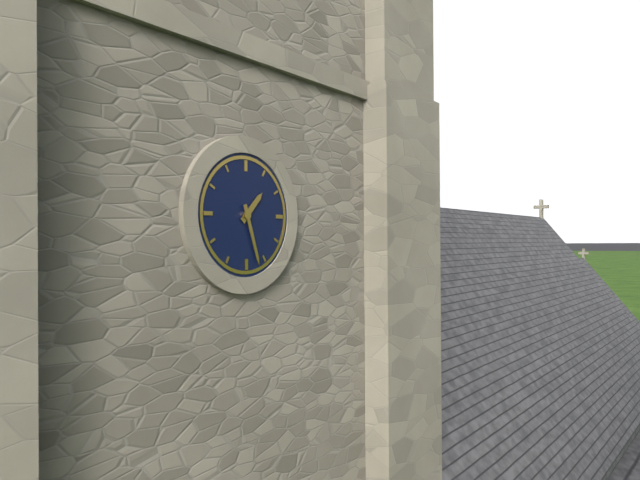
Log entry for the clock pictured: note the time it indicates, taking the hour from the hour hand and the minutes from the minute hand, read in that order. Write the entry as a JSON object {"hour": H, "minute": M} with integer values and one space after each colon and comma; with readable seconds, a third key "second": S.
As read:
{"hour": 1, "minute": 27}
